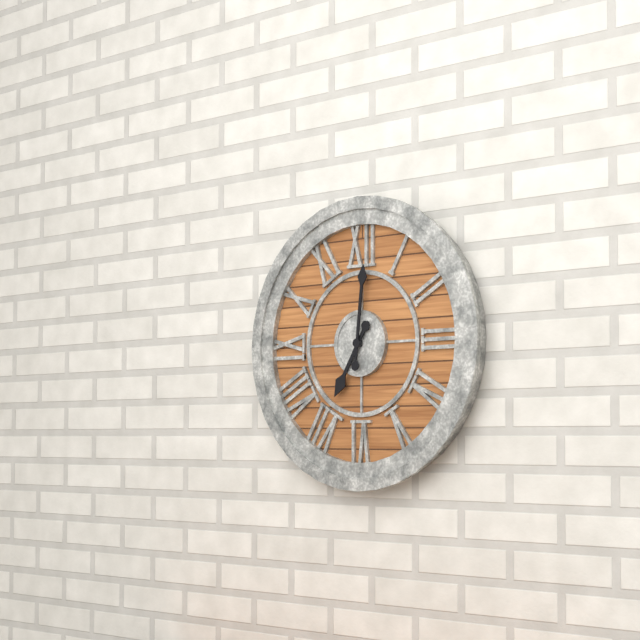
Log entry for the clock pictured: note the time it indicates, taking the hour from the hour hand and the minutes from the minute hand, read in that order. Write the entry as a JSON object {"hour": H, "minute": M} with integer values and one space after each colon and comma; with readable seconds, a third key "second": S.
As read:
{"hour": 7, "minute": 1}
